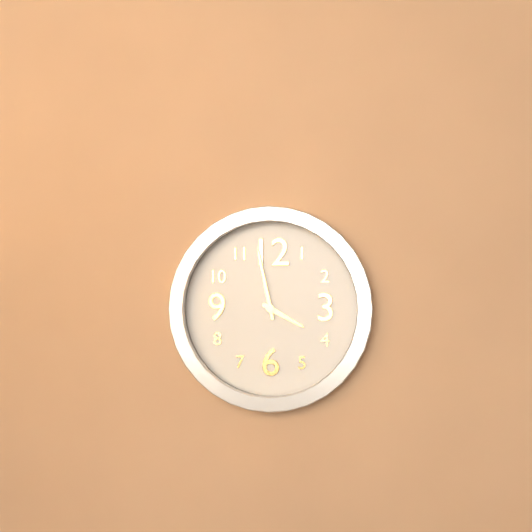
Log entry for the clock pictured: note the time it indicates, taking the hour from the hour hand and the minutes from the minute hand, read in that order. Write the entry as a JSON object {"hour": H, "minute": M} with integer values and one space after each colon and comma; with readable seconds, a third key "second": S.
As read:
{"hour": 3, "minute": 58}
